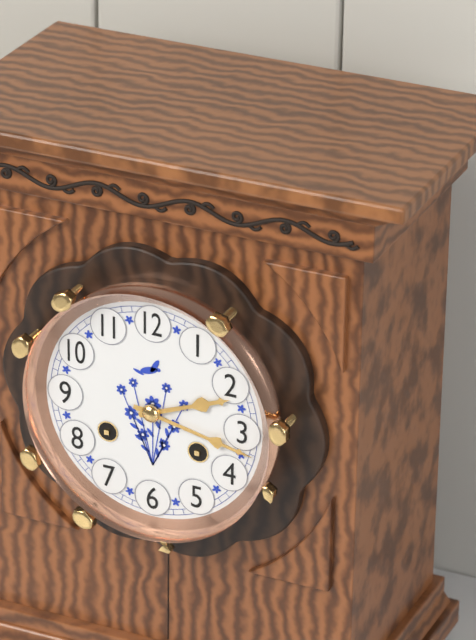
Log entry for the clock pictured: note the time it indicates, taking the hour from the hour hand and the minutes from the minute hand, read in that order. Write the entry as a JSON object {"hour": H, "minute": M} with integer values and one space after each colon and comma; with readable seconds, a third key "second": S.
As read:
{"hour": 2, "minute": 17}
